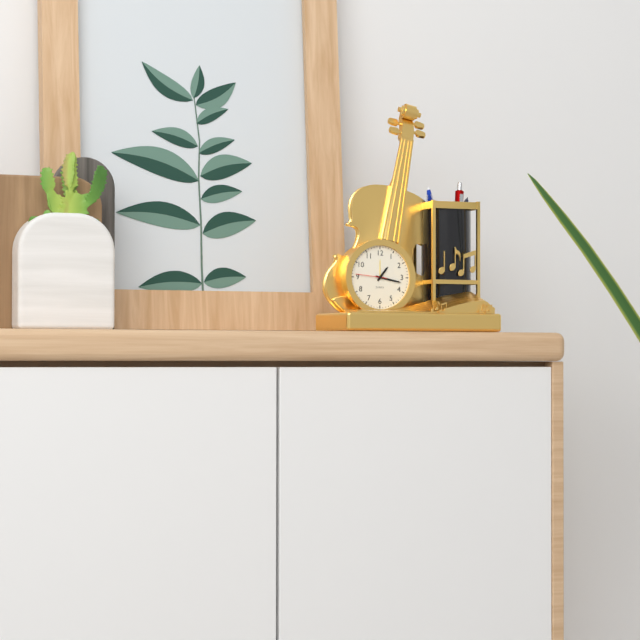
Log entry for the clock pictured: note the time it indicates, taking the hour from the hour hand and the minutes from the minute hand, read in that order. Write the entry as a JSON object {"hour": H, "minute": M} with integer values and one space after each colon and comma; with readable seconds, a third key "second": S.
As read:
{"hour": 1, "minute": 17}
